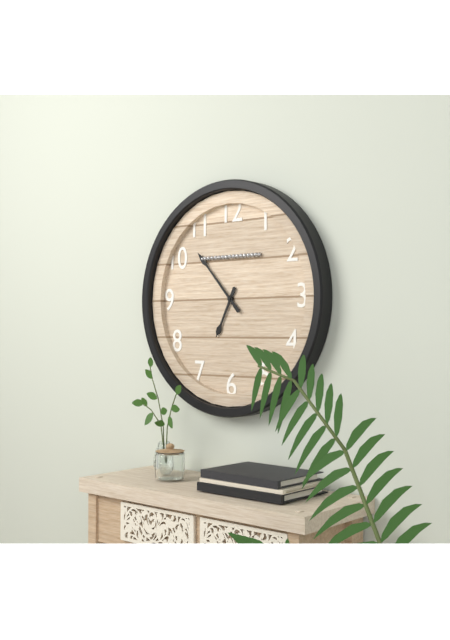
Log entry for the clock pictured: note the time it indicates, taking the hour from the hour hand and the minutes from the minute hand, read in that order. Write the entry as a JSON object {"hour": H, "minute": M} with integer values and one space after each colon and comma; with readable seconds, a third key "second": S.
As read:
{"hour": 6, "minute": 53}
